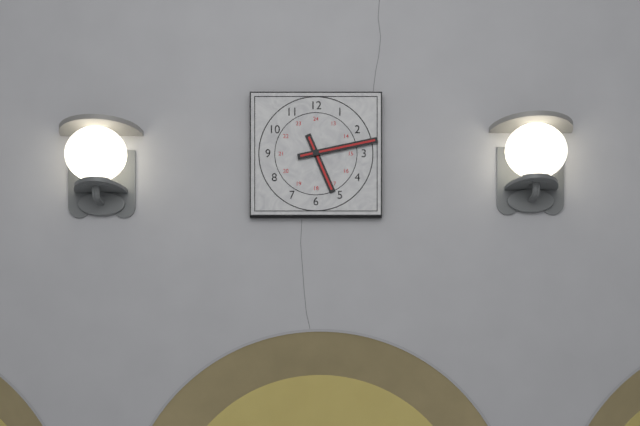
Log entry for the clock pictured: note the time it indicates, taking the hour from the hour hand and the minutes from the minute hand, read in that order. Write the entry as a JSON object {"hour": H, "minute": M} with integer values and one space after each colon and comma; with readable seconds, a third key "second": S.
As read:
{"hour": 5, "minute": 13}
